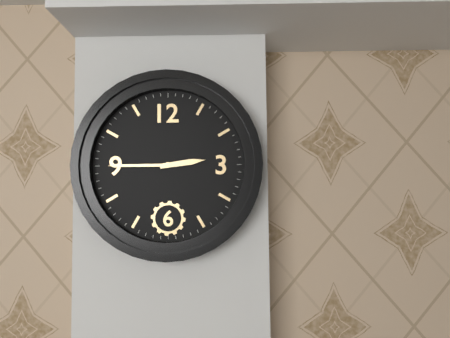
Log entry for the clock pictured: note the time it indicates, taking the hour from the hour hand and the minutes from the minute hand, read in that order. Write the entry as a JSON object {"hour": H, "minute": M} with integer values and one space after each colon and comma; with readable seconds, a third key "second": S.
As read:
{"hour": 2, "minute": 45}
